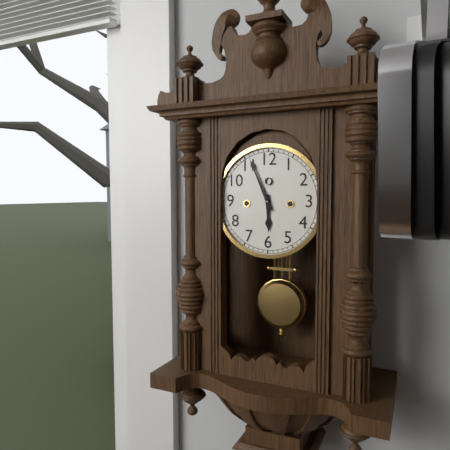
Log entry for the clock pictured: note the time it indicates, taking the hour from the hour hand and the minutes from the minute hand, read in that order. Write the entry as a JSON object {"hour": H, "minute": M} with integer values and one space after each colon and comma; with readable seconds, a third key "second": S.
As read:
{"hour": 5, "minute": 56}
